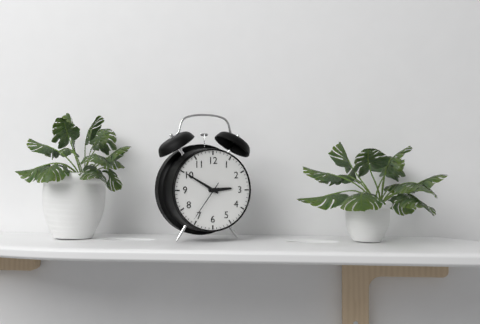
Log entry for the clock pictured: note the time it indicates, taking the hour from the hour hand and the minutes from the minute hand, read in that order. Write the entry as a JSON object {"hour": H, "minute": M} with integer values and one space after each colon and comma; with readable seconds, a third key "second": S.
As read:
{"hour": 2, "minute": 50}
